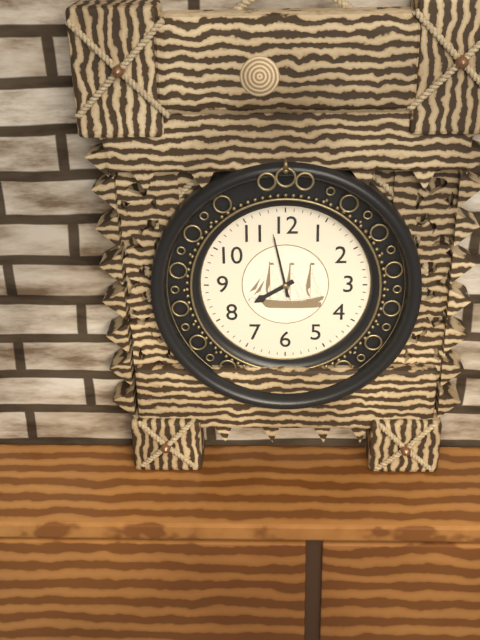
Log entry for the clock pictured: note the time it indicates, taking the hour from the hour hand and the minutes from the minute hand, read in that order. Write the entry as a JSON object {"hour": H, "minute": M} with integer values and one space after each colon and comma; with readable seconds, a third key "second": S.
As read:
{"hour": 7, "minute": 58}
